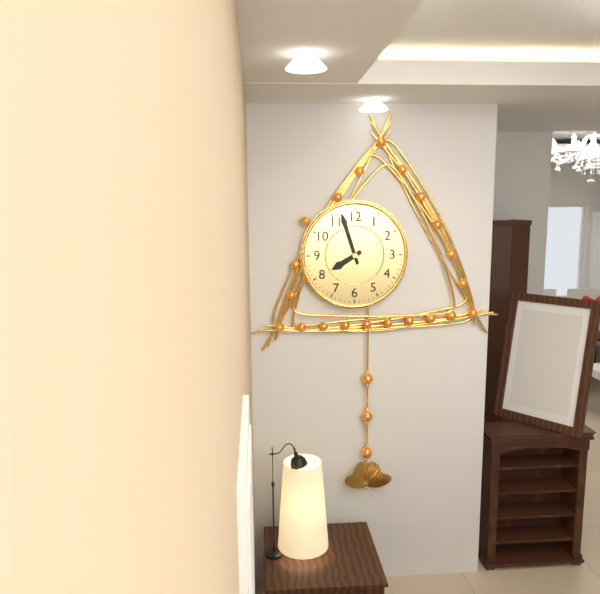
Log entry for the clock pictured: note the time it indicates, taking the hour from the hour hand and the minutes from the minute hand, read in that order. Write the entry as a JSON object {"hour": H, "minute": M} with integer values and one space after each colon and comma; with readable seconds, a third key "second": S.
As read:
{"hour": 7, "minute": 57}
